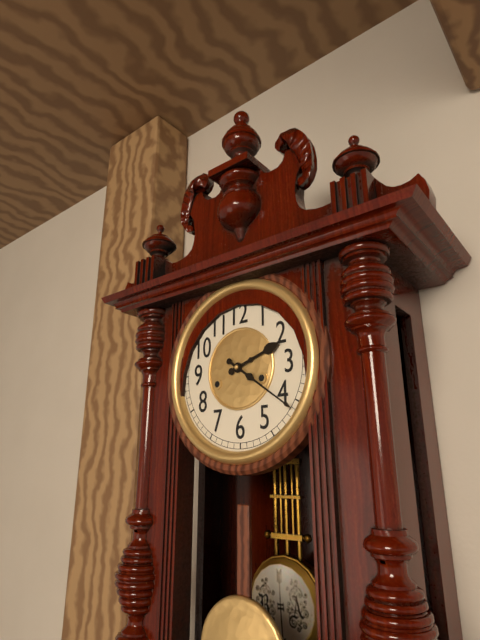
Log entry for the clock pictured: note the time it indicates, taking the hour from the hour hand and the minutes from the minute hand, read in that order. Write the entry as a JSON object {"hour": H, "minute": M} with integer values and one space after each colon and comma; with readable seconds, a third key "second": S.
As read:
{"hour": 2, "minute": 21}
